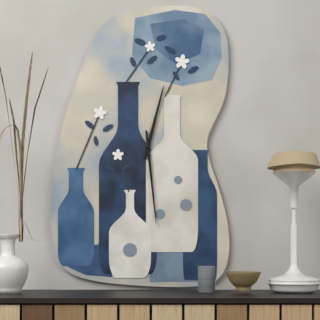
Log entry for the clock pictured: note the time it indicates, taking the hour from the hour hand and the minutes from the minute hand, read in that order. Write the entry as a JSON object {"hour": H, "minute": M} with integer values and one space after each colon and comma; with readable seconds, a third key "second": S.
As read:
{"hour": 12, "minute": 29}
